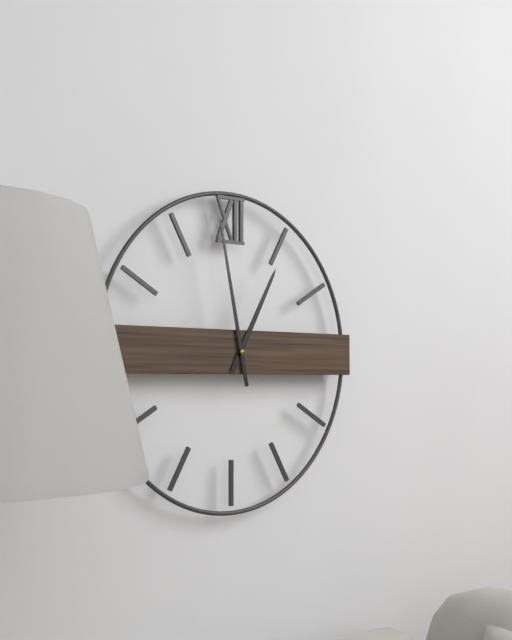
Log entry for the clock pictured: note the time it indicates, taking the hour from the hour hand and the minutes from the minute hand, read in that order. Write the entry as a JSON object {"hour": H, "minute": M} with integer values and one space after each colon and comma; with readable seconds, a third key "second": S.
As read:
{"hour": 12, "minute": 58}
